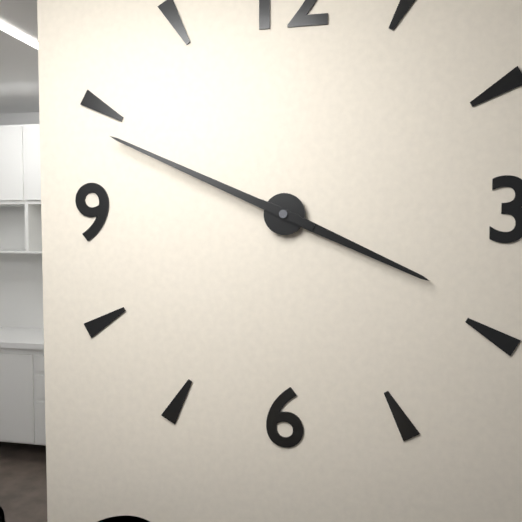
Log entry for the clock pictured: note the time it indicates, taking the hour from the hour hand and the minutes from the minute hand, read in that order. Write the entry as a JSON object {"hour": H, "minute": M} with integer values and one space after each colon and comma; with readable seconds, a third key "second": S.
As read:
{"hour": 3, "minute": 49}
